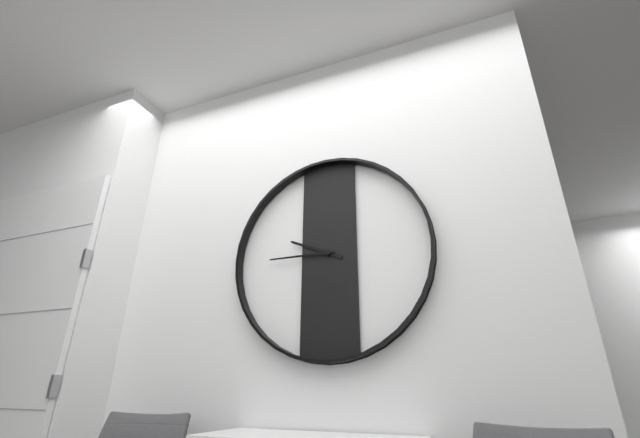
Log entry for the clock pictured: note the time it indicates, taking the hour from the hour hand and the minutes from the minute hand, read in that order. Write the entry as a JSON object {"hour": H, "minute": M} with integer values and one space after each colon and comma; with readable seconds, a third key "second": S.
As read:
{"hour": 9, "minute": 45}
